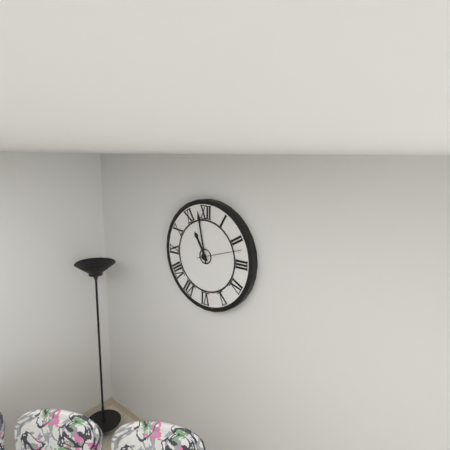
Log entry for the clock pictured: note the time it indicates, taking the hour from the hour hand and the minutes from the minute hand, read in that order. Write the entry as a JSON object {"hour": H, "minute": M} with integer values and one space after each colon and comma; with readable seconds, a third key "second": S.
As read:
{"hour": 10, "minute": 58}
